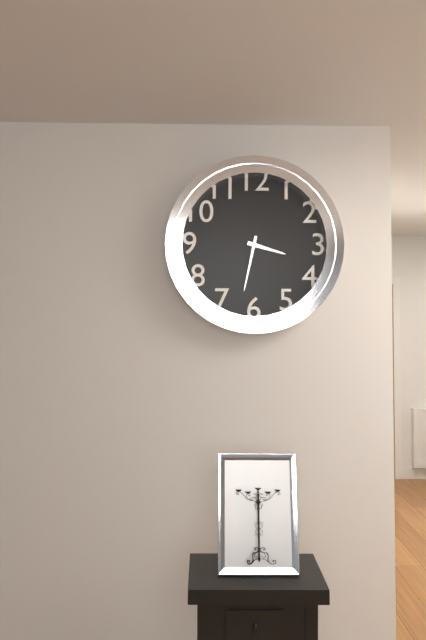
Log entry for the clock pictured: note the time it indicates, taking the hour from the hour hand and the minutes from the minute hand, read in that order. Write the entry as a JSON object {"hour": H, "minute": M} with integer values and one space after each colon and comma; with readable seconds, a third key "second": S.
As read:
{"hour": 3, "minute": 32}
